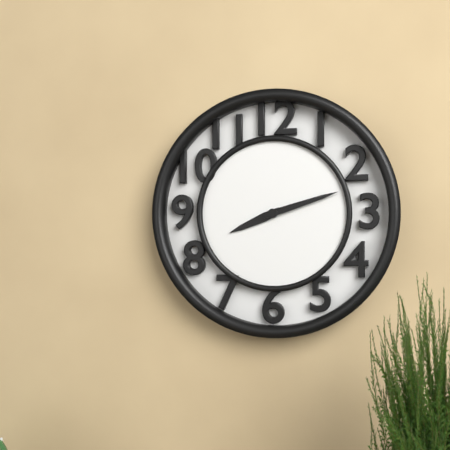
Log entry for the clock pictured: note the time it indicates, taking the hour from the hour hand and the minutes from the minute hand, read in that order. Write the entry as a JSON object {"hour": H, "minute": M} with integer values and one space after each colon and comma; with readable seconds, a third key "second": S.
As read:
{"hour": 8, "minute": 12}
